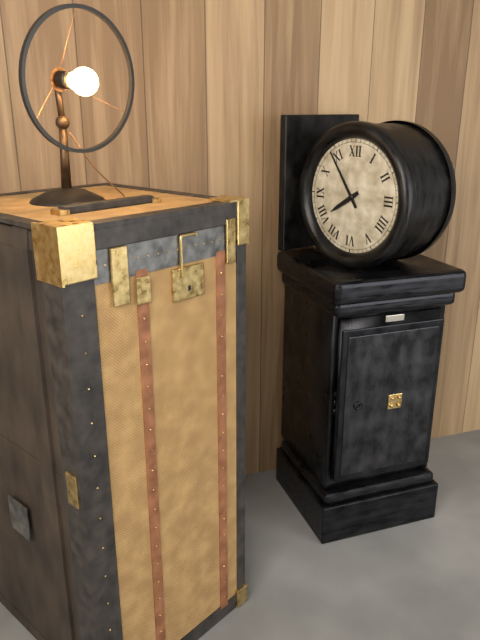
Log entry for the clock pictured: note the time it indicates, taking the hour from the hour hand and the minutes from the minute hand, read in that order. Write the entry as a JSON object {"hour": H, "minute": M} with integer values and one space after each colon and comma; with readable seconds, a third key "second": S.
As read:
{"hour": 7, "minute": 54}
